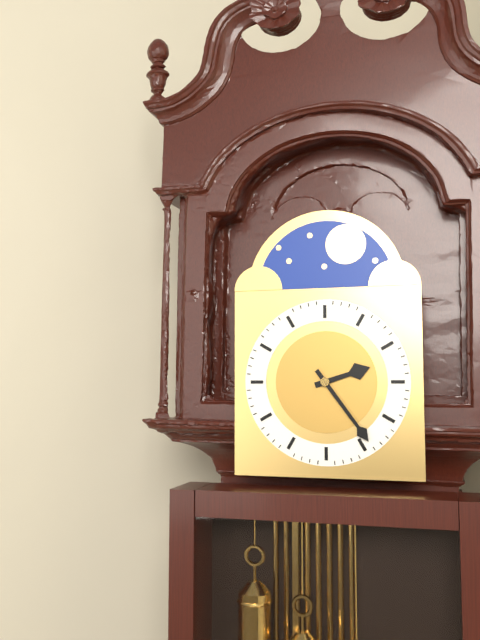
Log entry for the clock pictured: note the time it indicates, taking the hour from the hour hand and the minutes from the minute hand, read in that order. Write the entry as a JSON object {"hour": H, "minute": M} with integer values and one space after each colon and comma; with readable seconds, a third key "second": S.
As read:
{"hour": 2, "minute": 24}
